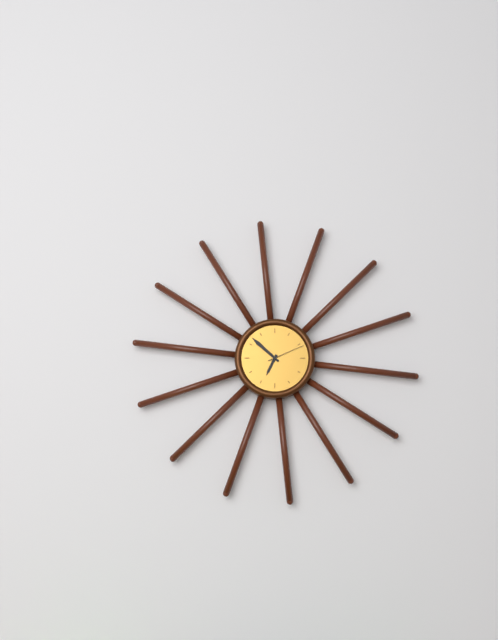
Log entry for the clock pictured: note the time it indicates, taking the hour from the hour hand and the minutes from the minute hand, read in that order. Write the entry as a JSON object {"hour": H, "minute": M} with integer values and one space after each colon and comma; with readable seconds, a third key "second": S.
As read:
{"hour": 6, "minute": 52}
